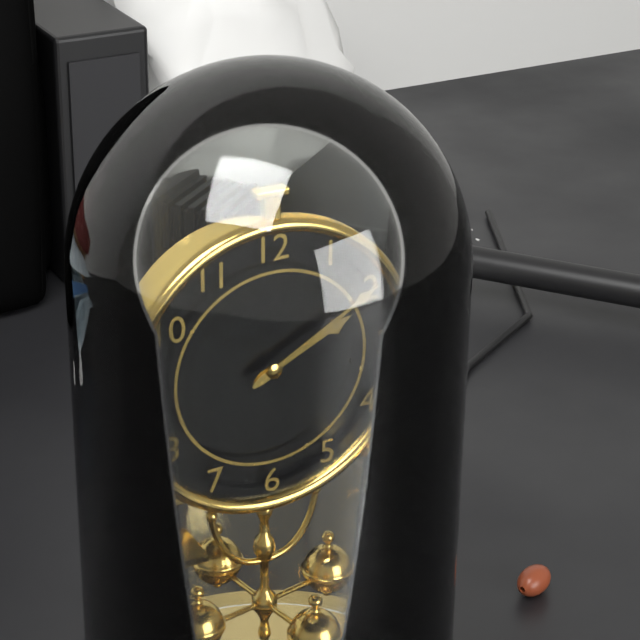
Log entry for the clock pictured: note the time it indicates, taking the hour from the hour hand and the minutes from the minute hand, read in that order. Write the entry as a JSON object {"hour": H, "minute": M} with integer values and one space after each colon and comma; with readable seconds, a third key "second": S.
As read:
{"hour": 2, "minute": 10}
